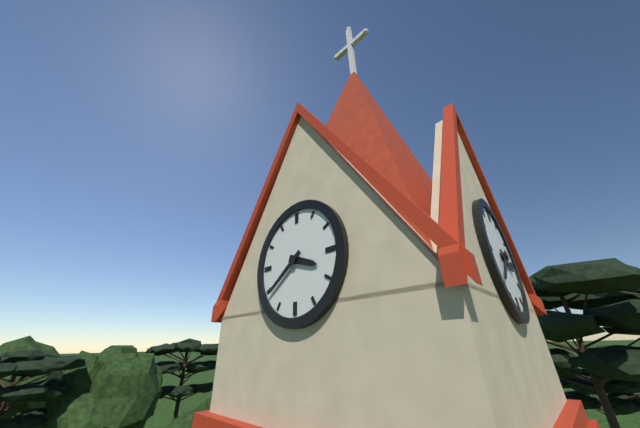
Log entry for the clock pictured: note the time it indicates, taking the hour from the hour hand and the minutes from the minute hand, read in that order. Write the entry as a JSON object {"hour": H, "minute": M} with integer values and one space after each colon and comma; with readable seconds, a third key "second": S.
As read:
{"hour": 3, "minute": 39}
